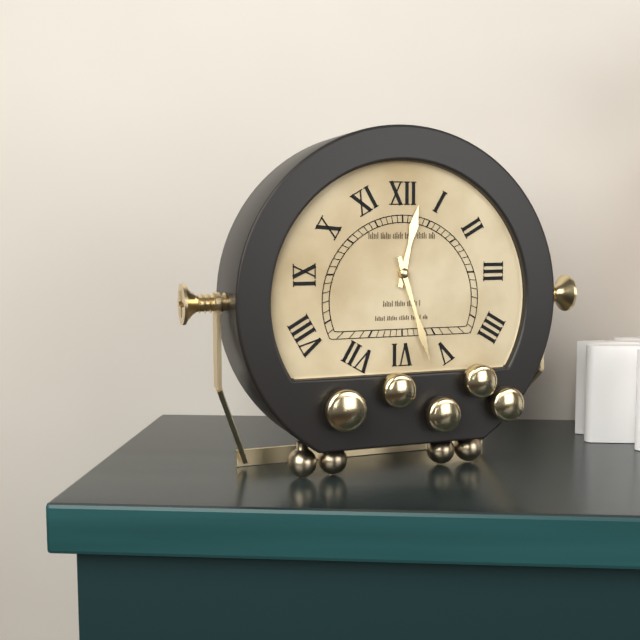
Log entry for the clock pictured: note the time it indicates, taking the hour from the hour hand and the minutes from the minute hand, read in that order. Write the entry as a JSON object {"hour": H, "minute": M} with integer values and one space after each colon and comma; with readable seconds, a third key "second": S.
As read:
{"hour": 12, "minute": 27}
